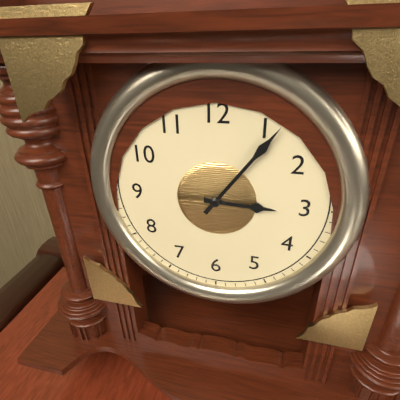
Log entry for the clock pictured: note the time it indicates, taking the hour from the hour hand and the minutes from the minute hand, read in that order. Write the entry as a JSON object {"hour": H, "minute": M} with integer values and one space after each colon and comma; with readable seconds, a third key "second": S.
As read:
{"hour": 3, "minute": 6}
